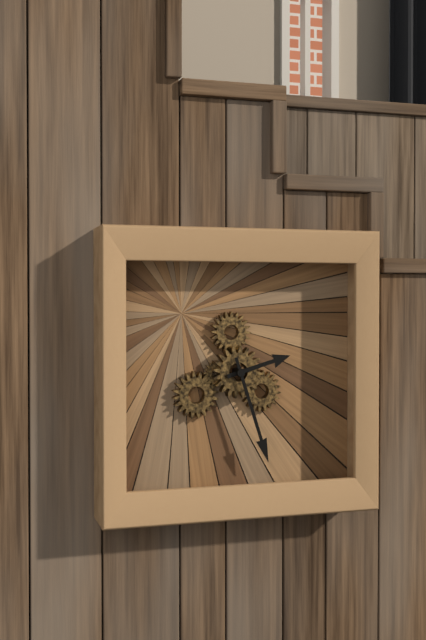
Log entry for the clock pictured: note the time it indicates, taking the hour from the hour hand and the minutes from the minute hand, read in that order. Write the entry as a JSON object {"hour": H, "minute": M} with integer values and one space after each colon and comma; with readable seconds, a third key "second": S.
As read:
{"hour": 2, "minute": 27}
